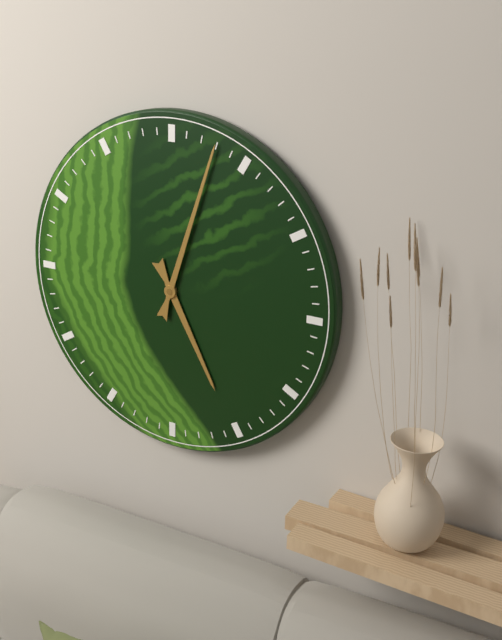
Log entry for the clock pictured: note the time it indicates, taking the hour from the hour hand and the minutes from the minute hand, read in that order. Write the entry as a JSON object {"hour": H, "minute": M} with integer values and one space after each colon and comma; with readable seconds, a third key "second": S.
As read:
{"hour": 5, "minute": 3}
